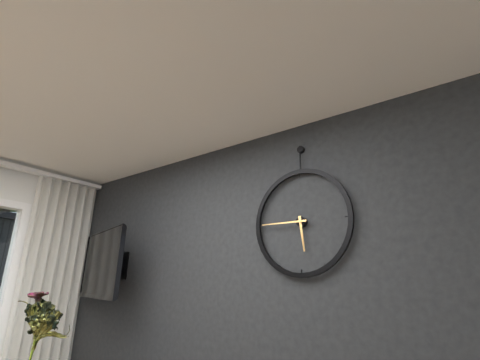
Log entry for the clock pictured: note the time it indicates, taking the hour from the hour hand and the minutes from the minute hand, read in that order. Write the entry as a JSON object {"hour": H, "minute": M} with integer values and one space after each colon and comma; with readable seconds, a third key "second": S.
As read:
{"hour": 5, "minute": 45}
